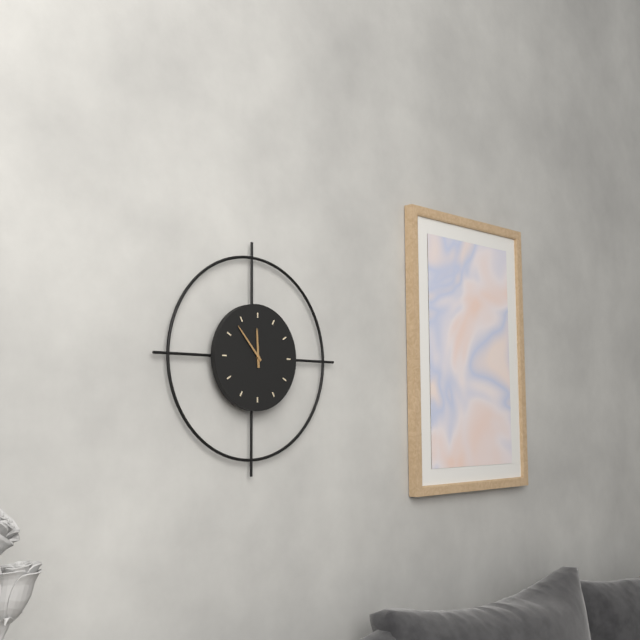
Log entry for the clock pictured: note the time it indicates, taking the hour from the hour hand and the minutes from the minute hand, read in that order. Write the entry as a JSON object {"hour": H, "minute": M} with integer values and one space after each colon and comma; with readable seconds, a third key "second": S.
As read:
{"hour": 11, "minute": 53}
